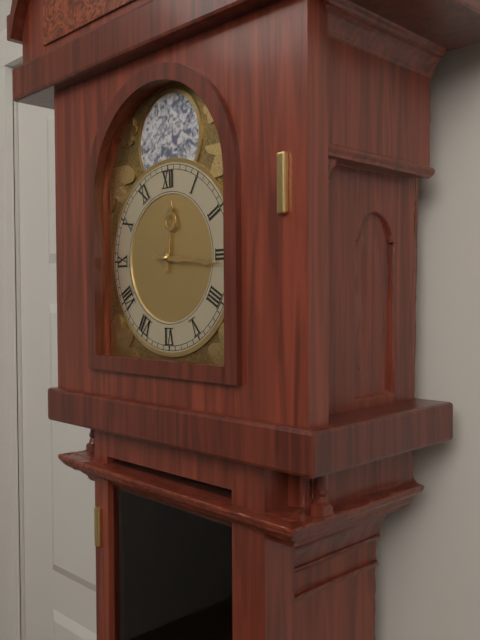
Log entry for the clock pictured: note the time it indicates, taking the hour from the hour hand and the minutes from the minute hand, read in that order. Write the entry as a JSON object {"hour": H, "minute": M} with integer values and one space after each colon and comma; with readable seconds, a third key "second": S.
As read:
{"hour": 12, "minute": 16}
